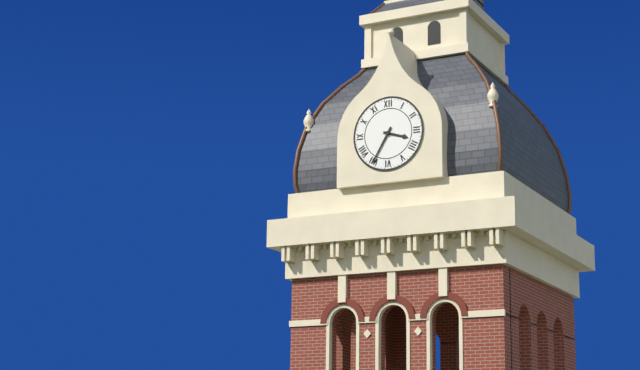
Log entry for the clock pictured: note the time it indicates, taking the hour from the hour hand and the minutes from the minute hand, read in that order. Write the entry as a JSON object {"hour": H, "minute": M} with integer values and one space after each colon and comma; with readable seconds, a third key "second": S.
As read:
{"hour": 3, "minute": 35}
